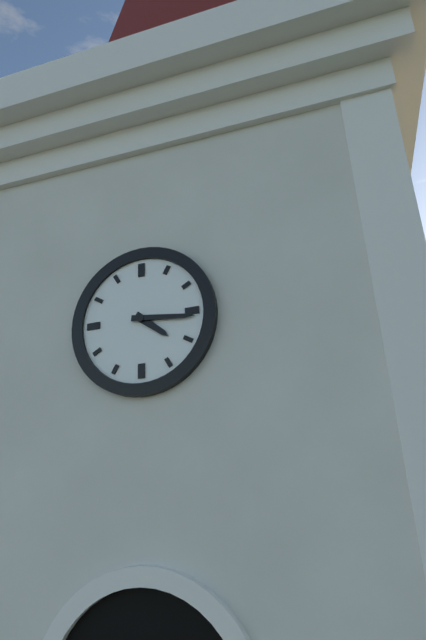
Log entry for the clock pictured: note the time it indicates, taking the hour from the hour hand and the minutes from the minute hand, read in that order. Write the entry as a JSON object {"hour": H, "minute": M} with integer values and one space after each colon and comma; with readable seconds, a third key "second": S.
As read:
{"hour": 4, "minute": 16}
